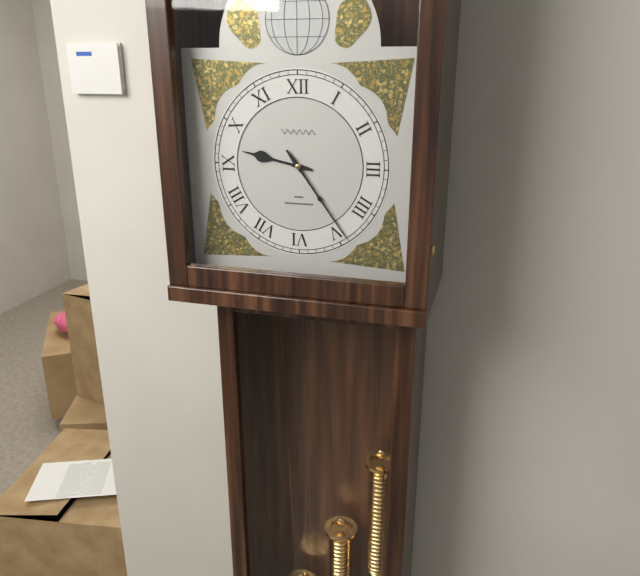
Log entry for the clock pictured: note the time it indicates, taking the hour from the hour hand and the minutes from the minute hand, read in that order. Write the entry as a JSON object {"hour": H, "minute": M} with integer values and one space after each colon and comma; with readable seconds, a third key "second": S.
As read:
{"hour": 9, "minute": 24}
